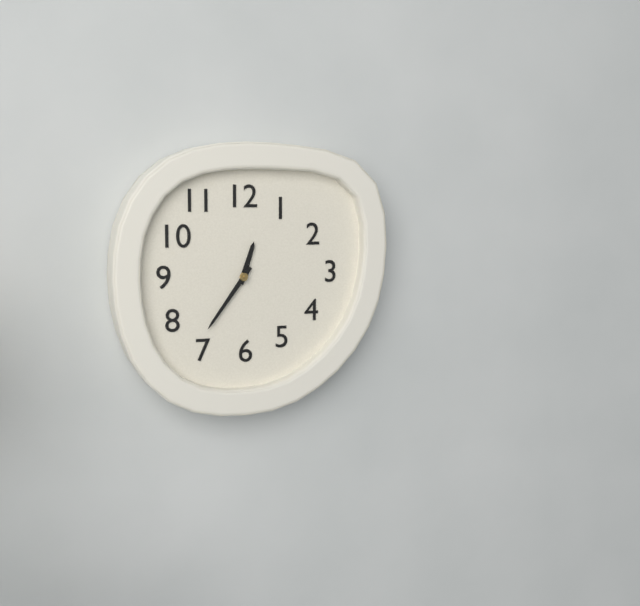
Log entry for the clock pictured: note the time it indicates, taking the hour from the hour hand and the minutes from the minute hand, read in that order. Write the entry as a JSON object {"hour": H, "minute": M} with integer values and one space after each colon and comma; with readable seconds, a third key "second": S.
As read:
{"hour": 12, "minute": 36}
